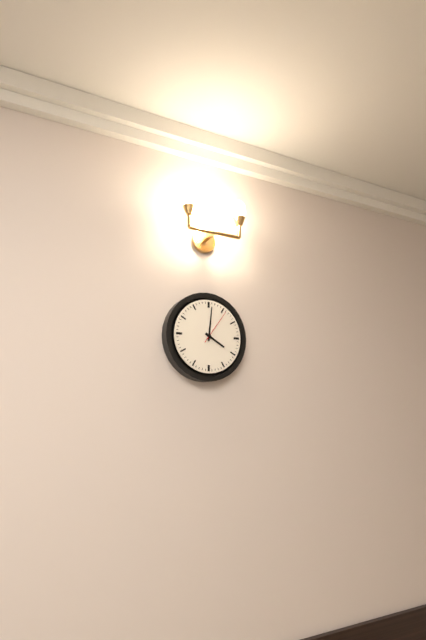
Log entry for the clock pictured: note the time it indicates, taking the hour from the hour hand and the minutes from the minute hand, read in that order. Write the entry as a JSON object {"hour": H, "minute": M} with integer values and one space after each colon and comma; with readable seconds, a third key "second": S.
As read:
{"hour": 4, "minute": 1}
